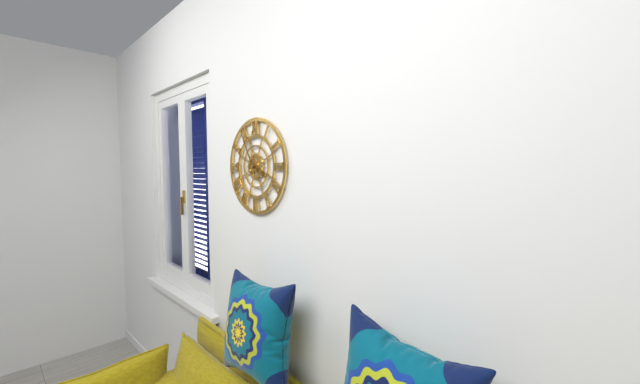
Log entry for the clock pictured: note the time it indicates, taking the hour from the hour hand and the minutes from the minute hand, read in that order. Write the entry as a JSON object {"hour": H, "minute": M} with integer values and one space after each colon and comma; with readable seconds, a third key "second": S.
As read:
{"hour": 3, "minute": 55}
